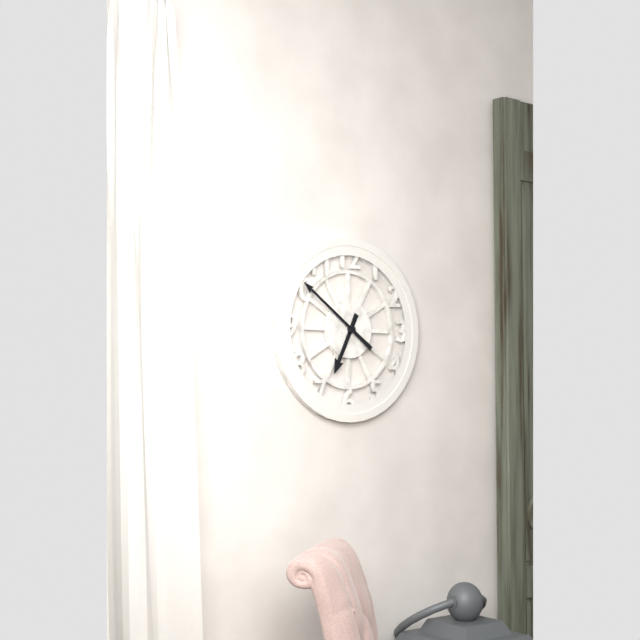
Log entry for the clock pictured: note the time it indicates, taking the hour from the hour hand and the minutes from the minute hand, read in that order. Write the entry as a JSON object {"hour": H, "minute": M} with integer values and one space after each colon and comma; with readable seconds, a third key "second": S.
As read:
{"hour": 6, "minute": 51}
